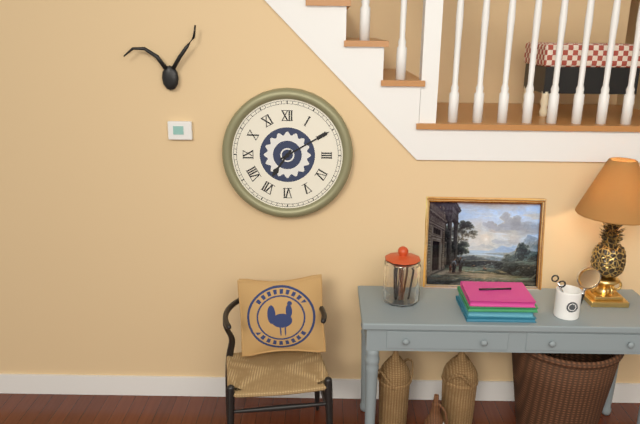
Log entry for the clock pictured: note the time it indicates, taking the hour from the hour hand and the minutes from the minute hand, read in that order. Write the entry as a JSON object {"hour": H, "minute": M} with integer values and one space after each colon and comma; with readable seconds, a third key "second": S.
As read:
{"hour": 7, "minute": 10}
